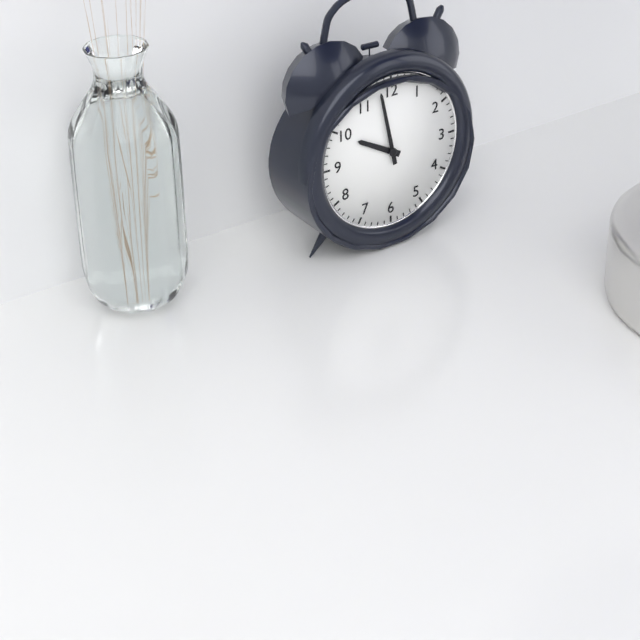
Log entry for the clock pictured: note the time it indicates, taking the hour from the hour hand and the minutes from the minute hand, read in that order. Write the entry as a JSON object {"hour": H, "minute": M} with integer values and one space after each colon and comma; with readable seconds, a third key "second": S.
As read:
{"hour": 9, "minute": 58}
